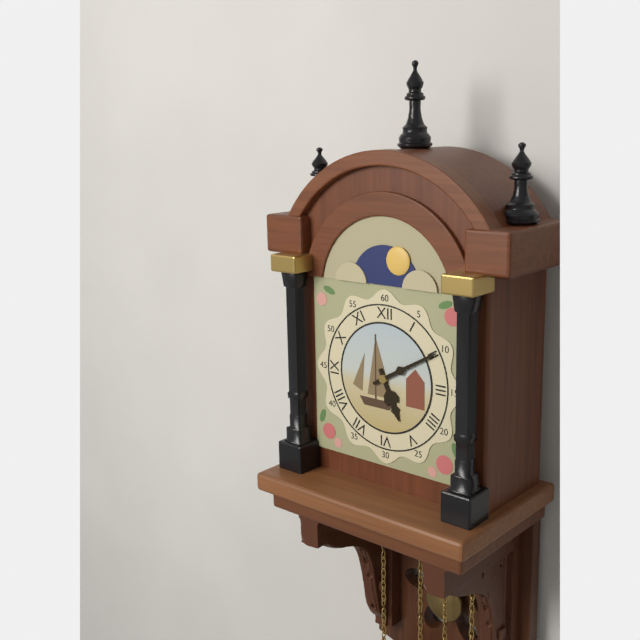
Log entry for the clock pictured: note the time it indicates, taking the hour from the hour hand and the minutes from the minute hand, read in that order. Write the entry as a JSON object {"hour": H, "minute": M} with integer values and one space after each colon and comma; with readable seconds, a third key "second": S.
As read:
{"hour": 5, "minute": 10}
